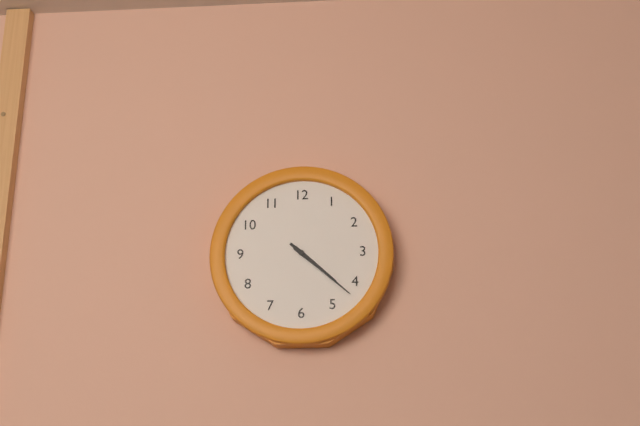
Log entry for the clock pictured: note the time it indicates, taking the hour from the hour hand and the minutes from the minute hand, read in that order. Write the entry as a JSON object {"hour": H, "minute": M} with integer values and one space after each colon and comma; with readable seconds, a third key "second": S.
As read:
{"hour": 4, "minute": 22}
